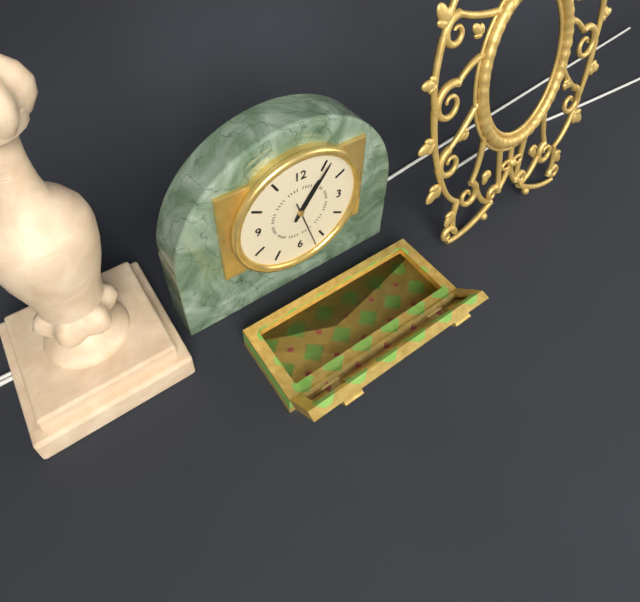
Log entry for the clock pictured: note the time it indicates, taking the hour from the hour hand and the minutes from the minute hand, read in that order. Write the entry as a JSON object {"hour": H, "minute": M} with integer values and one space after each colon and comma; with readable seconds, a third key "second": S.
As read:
{"hour": 1, "minute": 6}
